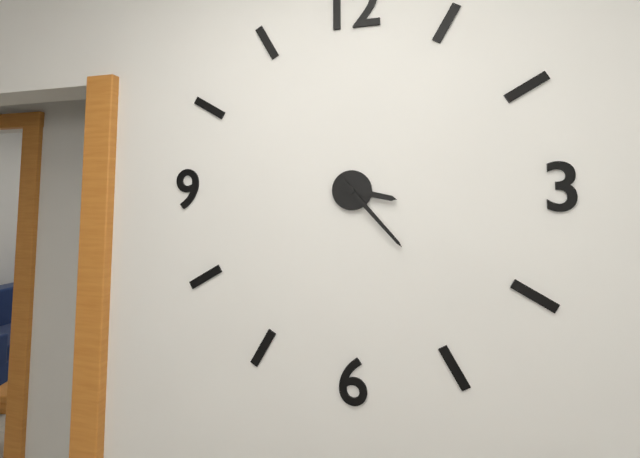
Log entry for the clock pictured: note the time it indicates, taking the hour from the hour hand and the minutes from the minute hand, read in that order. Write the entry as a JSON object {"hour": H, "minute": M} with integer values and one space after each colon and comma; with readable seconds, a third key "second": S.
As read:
{"hour": 3, "minute": 23}
